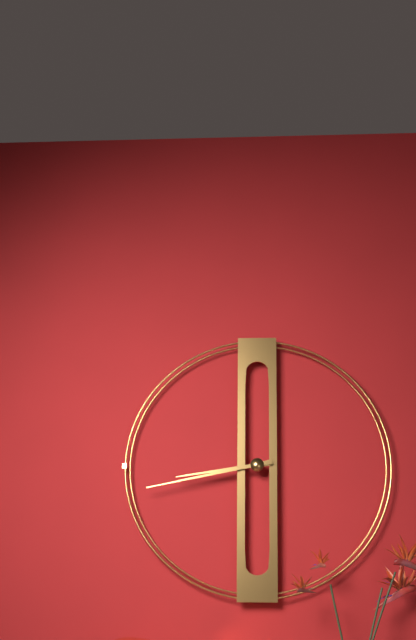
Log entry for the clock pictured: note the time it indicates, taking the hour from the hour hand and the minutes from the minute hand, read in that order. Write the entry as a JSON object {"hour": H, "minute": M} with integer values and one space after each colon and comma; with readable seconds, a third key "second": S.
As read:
{"hour": 8, "minute": 43}
